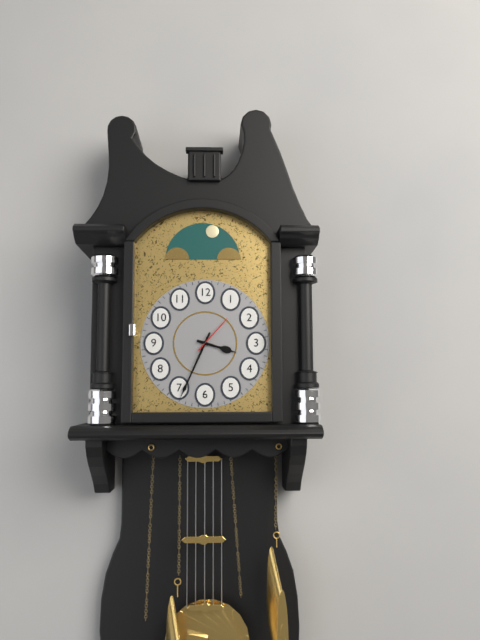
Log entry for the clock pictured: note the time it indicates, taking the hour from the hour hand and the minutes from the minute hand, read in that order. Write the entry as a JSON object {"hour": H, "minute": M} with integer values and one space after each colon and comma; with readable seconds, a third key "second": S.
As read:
{"hour": 3, "minute": 34}
